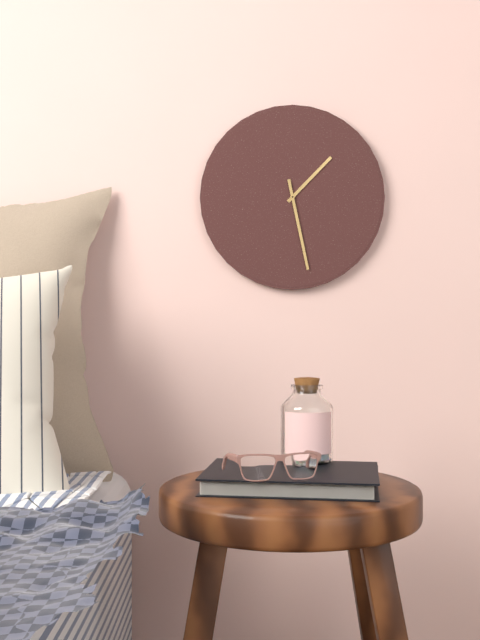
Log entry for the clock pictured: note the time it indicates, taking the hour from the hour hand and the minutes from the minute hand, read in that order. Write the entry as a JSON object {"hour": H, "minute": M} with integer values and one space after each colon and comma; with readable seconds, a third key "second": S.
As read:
{"hour": 1, "minute": 28}
